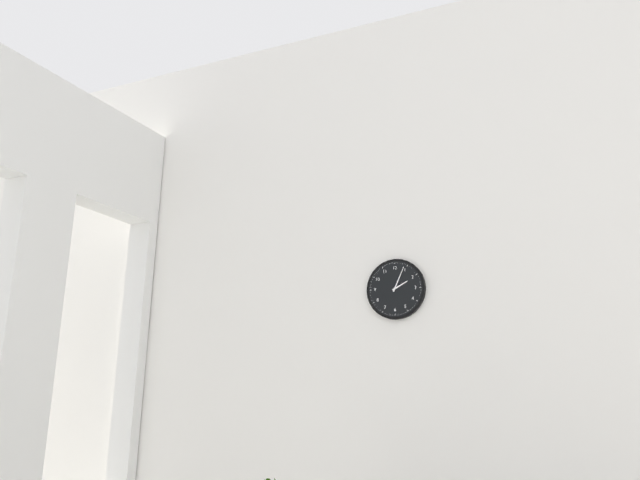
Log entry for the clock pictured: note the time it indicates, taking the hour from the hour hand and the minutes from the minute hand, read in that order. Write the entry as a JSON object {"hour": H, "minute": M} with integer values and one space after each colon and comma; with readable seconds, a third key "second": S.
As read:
{"hour": 2, "minute": 4}
